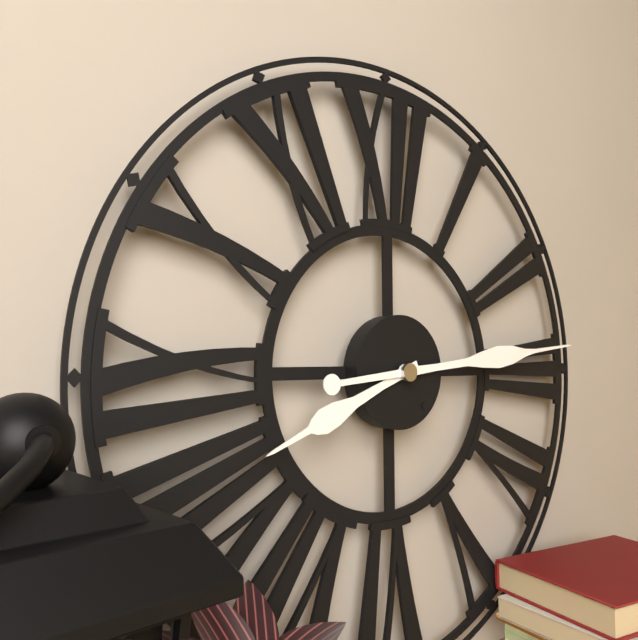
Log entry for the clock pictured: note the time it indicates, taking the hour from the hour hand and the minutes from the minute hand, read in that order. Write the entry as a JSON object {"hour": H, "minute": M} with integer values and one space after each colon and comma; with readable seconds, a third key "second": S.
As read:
{"hour": 8, "minute": 14}
